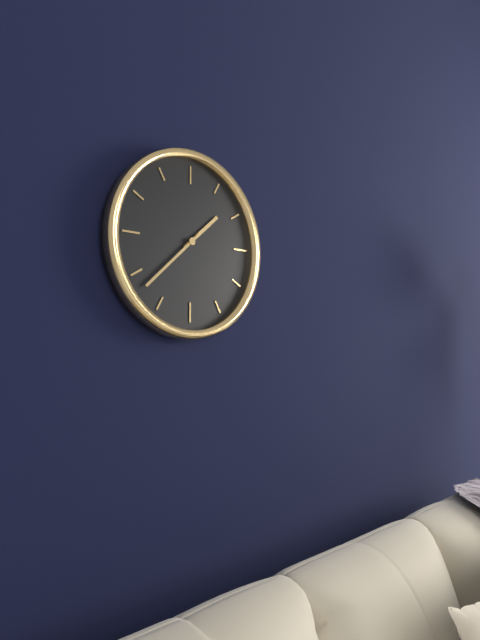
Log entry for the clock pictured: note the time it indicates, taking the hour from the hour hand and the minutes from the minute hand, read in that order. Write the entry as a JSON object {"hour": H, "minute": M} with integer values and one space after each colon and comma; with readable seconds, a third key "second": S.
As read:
{"hour": 1, "minute": 38}
